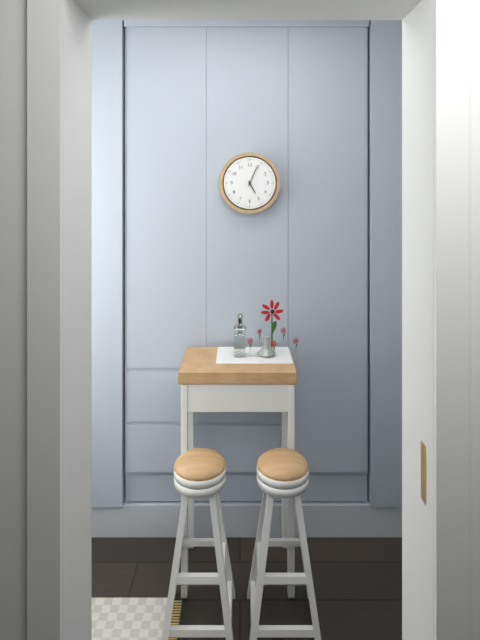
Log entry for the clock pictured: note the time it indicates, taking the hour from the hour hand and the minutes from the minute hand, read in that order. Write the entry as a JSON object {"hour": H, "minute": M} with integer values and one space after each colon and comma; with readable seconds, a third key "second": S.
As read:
{"hour": 5, "minute": 4}
